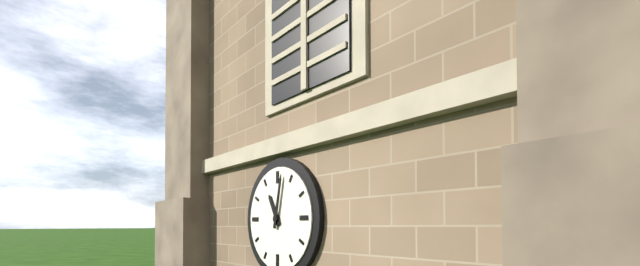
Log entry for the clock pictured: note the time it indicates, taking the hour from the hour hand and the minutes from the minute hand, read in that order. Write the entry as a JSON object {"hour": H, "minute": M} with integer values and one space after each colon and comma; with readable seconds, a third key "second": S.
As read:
{"hour": 11, "minute": 2}
